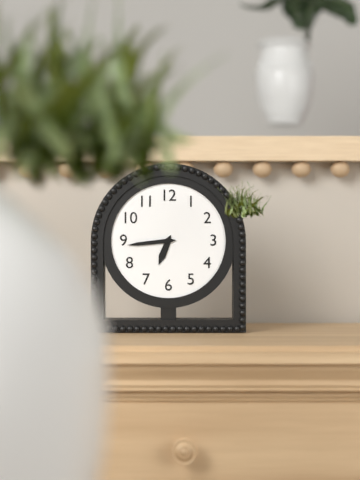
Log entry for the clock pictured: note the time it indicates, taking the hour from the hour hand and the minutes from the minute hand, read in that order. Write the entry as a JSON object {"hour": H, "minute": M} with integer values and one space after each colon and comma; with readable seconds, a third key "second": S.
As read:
{"hour": 6, "minute": 44}
